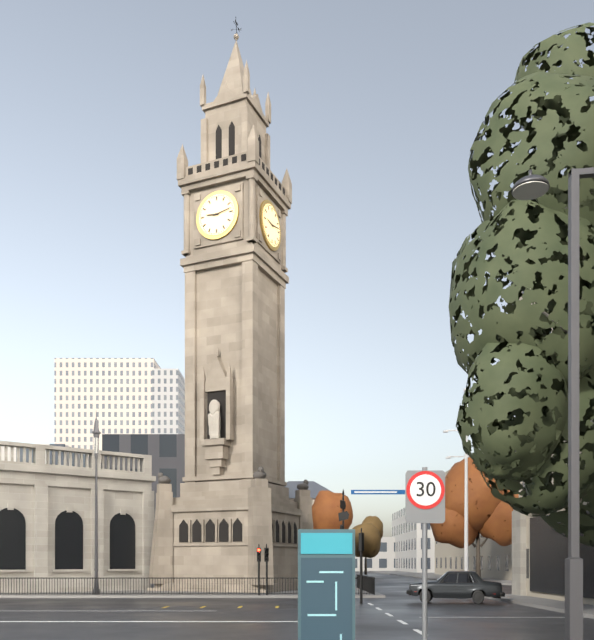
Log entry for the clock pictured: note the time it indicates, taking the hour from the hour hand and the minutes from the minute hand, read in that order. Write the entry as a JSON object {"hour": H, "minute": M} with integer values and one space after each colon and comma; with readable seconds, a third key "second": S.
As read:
{"hour": 9, "minute": 13}
